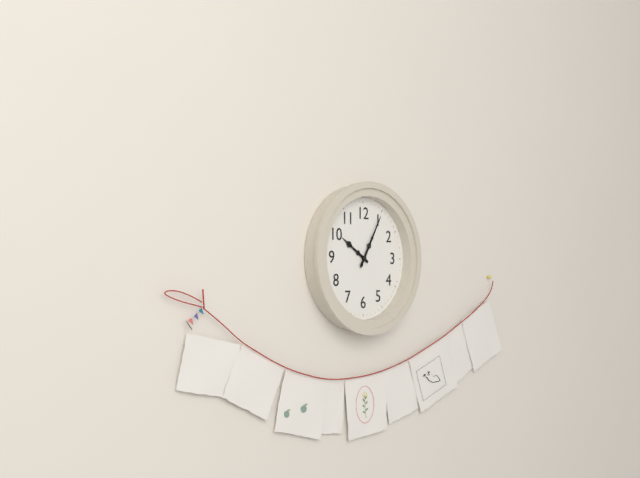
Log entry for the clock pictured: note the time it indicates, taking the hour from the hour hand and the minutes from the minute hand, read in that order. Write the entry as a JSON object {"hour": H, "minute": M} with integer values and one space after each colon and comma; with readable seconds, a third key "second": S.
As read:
{"hour": 10, "minute": 5}
